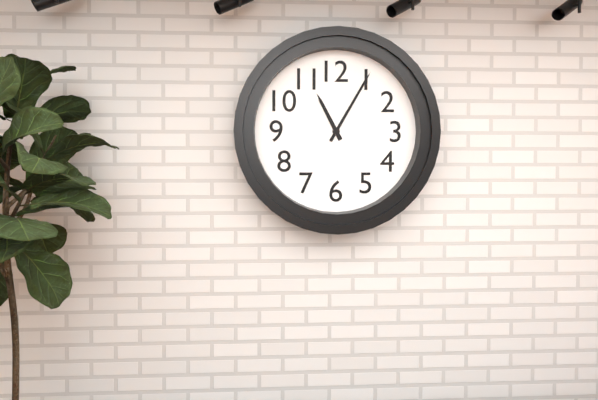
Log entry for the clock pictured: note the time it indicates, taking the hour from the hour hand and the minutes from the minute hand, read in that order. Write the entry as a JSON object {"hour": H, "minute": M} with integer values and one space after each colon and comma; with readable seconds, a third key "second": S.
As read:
{"hour": 11, "minute": 5}
